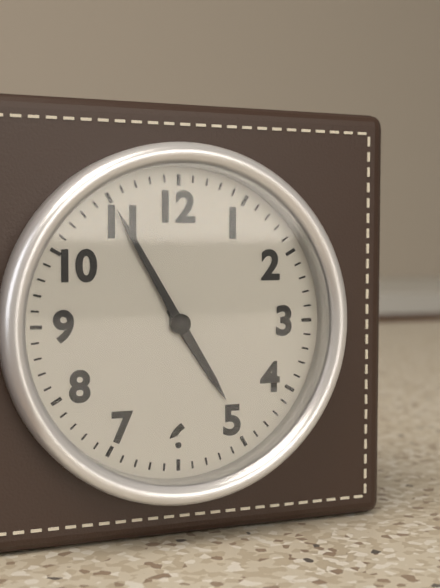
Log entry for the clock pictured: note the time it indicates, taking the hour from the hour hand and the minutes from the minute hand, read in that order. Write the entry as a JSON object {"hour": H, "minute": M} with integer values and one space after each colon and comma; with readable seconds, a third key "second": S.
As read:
{"hour": 4, "minute": 55}
